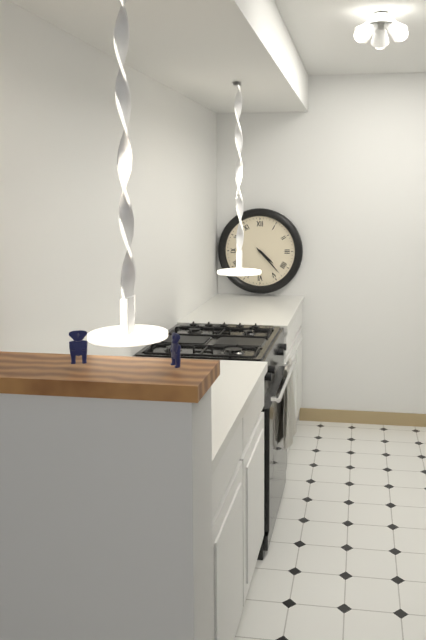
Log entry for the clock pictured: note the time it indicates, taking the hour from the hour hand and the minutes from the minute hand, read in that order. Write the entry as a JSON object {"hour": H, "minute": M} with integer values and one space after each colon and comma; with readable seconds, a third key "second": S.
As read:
{"hour": 4, "minute": 23}
